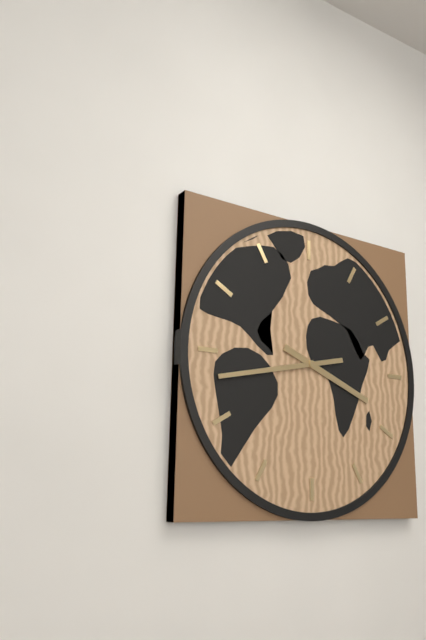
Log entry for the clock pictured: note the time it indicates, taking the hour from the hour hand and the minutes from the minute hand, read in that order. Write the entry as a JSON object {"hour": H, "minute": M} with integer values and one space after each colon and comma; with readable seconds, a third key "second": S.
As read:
{"hour": 3, "minute": 43}
